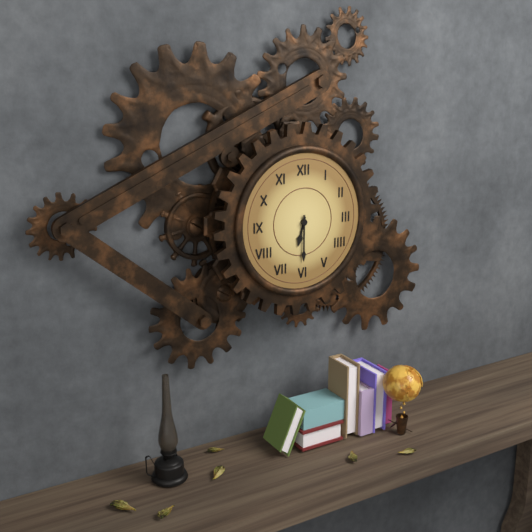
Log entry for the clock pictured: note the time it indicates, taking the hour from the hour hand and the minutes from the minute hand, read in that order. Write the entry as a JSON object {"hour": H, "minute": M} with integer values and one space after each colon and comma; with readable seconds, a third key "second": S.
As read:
{"hour": 6, "minute": 30}
